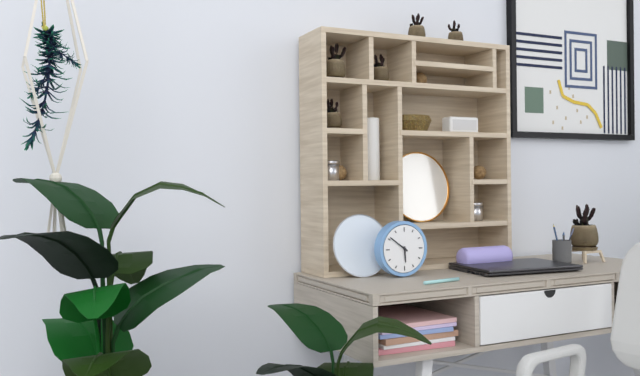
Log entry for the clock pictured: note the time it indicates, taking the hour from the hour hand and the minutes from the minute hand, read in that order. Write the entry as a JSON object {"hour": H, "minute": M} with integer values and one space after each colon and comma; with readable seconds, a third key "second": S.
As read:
{"hour": 5, "minute": 51}
